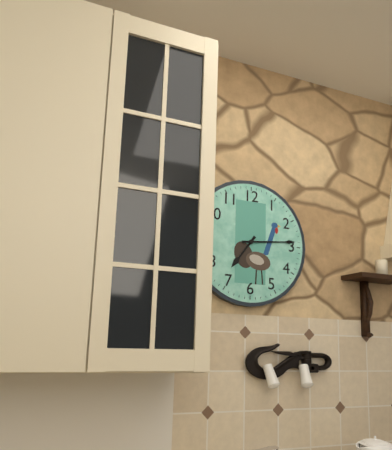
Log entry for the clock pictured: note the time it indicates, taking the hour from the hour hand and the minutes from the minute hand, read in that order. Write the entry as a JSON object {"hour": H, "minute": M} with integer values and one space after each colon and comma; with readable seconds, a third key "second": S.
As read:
{"hour": 7, "minute": 14}
